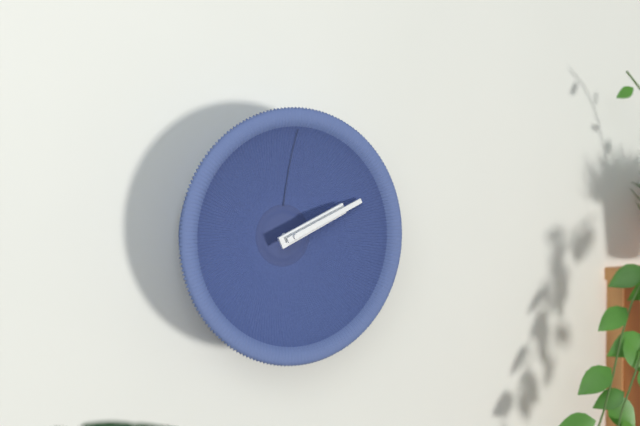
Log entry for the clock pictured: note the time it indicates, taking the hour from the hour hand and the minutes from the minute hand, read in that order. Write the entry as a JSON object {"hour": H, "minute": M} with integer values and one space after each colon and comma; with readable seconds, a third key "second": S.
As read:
{"hour": 2, "minute": 11}
